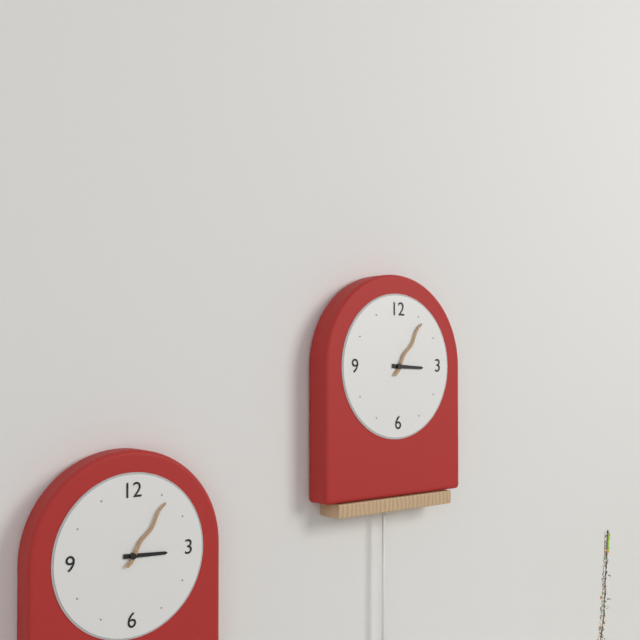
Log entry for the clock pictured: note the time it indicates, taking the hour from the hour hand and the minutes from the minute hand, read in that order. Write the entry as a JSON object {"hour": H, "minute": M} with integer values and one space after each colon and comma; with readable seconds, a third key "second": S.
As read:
{"hour": 3, "minute": 6}
